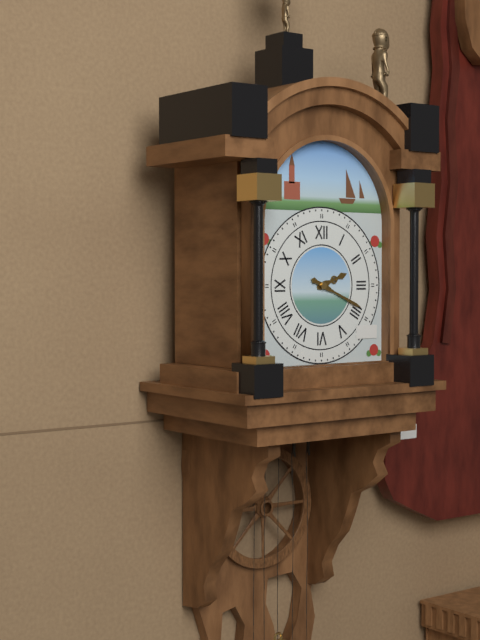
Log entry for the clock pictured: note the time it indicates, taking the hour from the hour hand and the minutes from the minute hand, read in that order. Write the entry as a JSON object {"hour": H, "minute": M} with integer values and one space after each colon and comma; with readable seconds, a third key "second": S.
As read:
{"hour": 2, "minute": 19}
